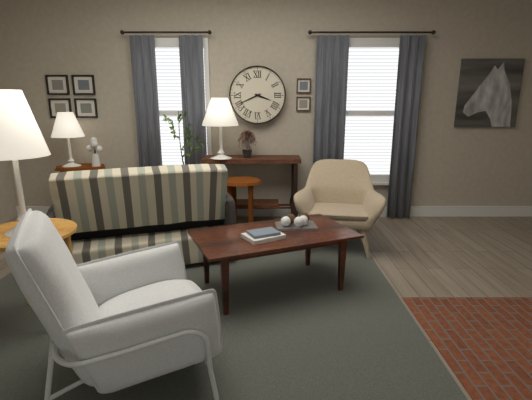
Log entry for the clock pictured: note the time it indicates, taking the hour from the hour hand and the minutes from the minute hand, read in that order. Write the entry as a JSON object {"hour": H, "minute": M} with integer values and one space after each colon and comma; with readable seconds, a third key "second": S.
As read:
{"hour": 3, "minute": 41}
